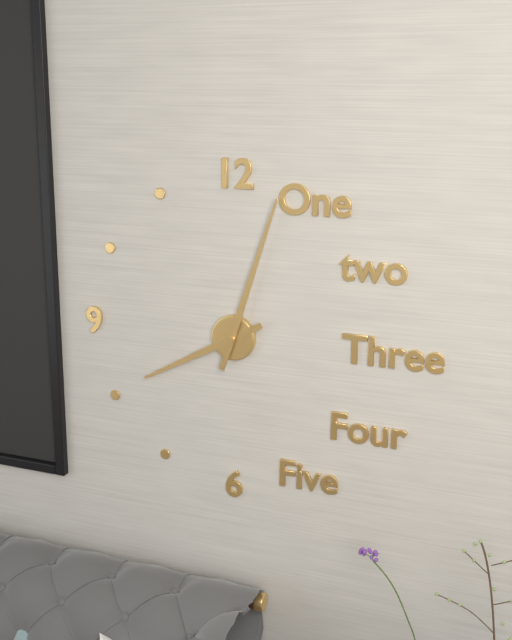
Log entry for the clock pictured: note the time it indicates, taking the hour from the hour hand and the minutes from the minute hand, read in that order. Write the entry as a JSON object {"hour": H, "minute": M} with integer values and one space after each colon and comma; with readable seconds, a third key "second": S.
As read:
{"hour": 8, "minute": 3}
